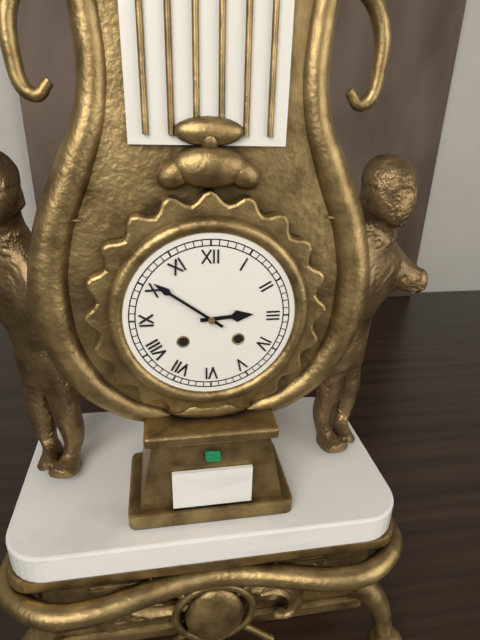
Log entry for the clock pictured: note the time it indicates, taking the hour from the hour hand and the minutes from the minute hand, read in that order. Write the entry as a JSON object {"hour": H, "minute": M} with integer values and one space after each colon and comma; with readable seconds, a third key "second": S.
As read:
{"hour": 2, "minute": 51}
